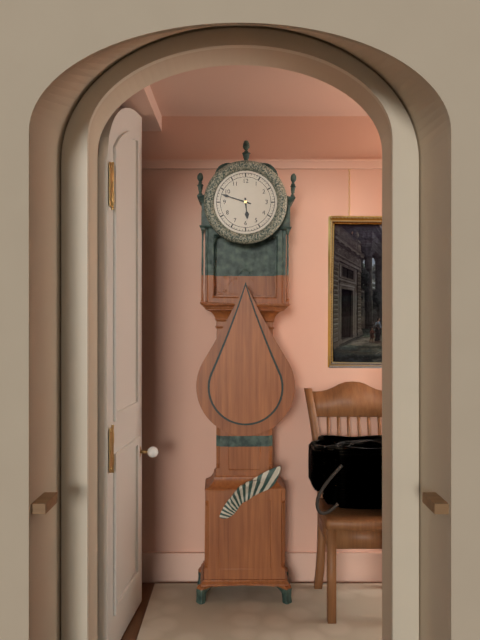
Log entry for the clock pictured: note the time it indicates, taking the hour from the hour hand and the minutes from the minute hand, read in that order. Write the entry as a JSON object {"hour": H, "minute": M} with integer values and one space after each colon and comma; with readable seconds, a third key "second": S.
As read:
{"hour": 5, "minute": 48}
